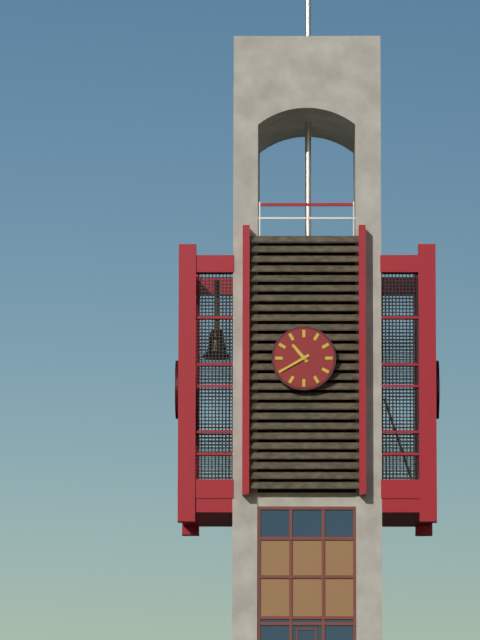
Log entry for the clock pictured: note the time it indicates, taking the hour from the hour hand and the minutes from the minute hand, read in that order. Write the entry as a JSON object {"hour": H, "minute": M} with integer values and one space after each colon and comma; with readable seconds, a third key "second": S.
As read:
{"hour": 10, "minute": 40}
